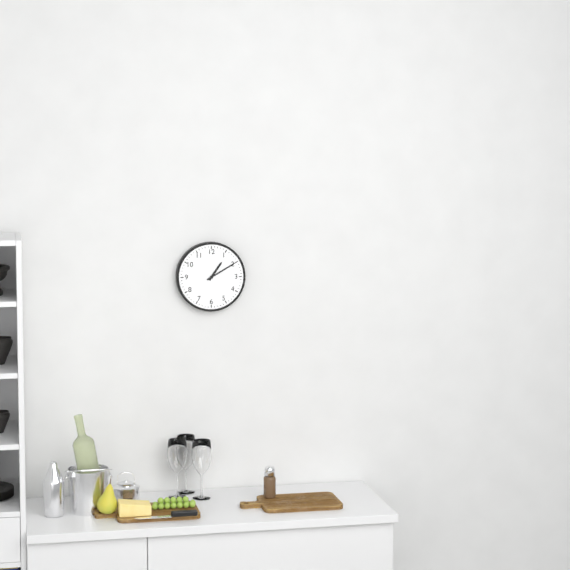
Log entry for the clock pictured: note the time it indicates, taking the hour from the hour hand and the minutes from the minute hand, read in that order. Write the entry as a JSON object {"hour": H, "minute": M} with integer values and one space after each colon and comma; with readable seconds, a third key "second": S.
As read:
{"hour": 1, "minute": 10}
